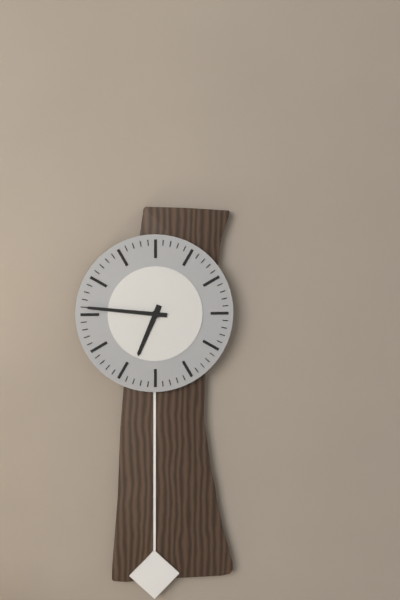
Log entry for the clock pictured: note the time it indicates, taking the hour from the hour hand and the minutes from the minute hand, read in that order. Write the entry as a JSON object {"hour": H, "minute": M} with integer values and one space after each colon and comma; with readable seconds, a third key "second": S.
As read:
{"hour": 6, "minute": 46}
